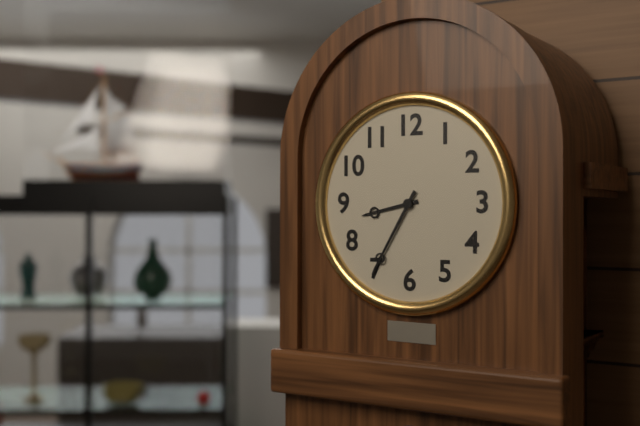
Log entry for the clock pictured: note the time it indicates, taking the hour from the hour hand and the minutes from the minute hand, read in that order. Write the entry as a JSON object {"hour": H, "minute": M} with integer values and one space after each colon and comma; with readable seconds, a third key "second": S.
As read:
{"hour": 8, "minute": 35}
